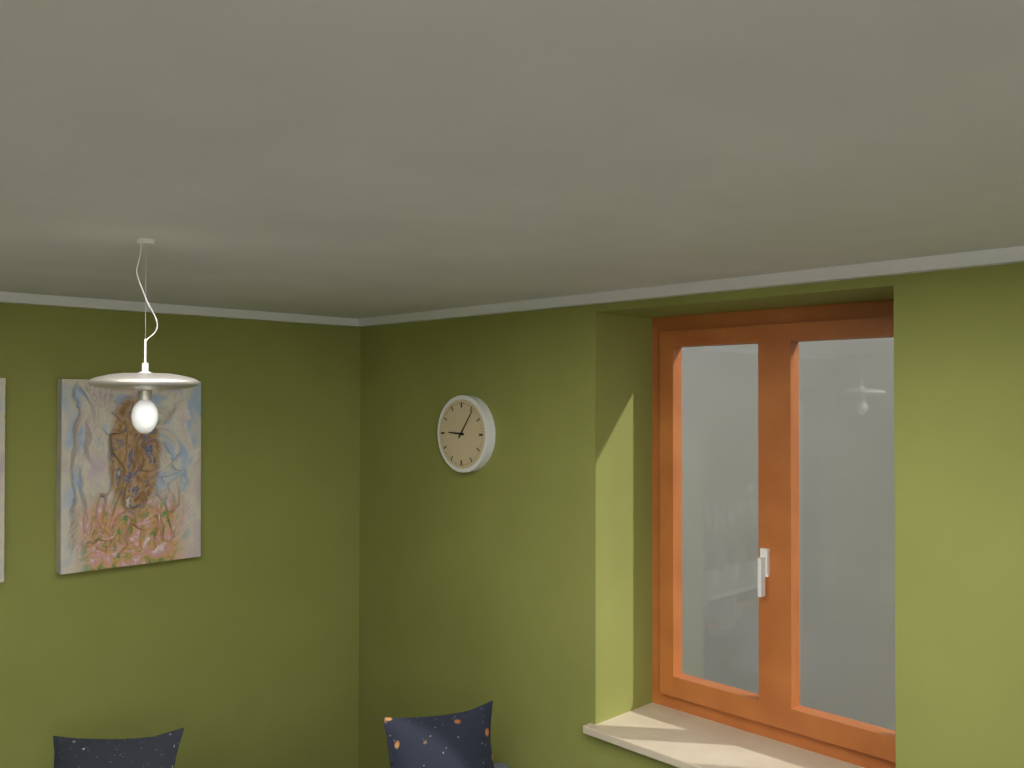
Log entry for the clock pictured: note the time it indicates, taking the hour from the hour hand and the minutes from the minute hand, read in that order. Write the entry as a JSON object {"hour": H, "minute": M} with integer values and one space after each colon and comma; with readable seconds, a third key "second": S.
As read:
{"hour": 9, "minute": 6}
